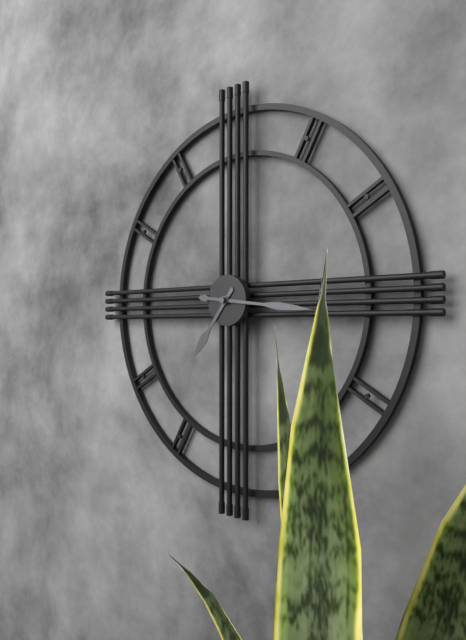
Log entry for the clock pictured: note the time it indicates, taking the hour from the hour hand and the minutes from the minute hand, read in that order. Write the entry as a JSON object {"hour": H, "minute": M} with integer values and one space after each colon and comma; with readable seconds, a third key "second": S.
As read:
{"hour": 7, "minute": 16}
